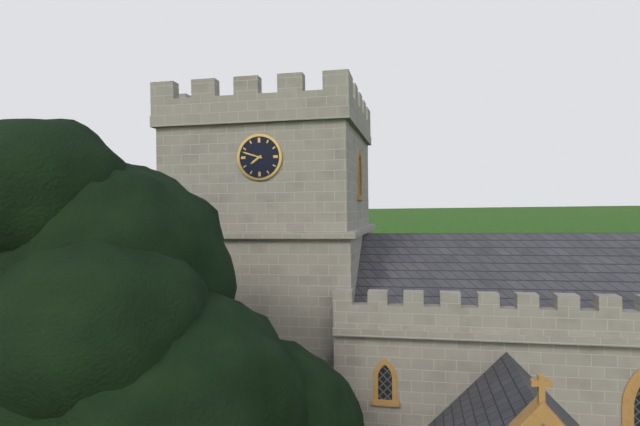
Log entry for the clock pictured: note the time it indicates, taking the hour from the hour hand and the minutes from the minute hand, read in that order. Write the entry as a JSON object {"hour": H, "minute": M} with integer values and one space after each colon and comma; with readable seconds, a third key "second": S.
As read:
{"hour": 7, "minute": 48}
